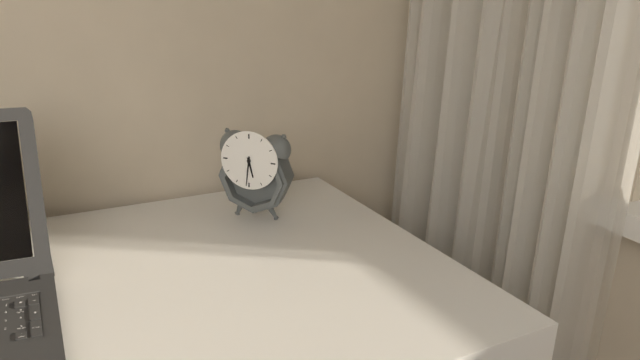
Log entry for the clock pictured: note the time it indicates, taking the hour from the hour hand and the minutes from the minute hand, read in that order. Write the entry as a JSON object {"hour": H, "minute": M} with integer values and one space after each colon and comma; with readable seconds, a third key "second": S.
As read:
{"hour": 5, "minute": 31}
